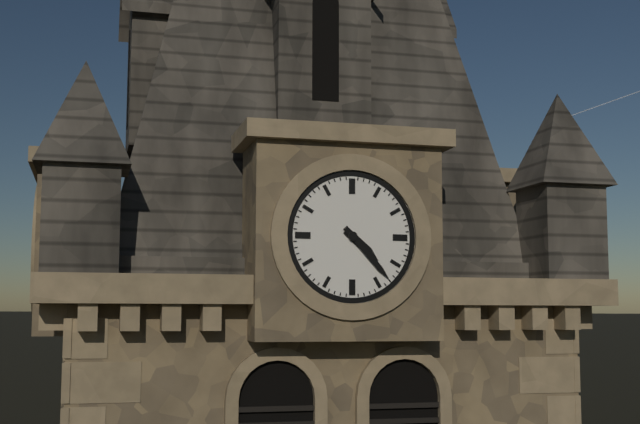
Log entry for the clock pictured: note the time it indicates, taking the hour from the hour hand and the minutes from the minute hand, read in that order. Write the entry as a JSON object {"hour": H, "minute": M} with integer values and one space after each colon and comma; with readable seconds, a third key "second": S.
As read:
{"hour": 4, "minute": 23}
